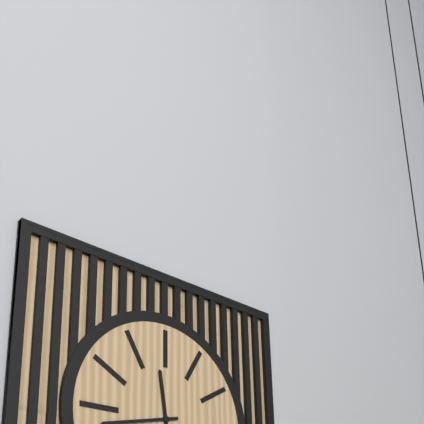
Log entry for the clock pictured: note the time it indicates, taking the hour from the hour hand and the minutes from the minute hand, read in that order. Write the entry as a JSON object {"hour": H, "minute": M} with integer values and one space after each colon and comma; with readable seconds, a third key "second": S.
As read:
{"hour": 11, "minute": 43}
